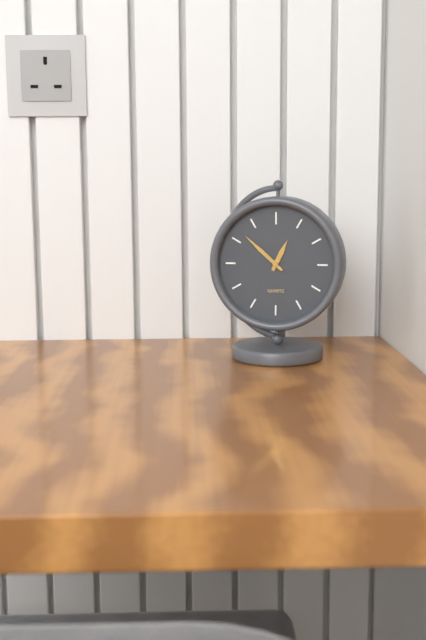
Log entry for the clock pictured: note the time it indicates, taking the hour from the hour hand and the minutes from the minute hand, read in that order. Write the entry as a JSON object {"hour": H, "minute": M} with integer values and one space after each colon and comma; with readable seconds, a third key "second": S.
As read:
{"hour": 12, "minute": 52}
